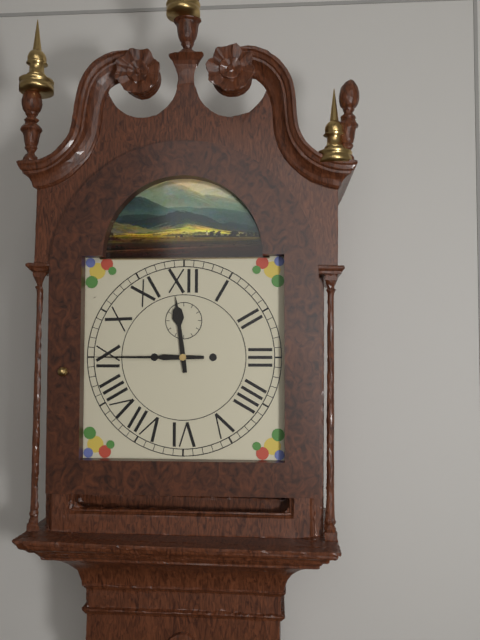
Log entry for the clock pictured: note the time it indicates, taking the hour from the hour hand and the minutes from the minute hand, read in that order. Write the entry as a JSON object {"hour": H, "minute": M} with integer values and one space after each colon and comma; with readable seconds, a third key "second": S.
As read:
{"hour": 11, "minute": 45}
